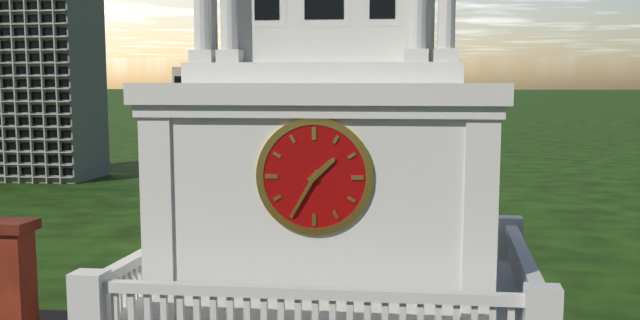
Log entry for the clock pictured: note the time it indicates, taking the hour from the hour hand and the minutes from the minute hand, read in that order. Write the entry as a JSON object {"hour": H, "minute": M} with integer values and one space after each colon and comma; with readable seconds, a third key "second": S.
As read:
{"hour": 1, "minute": 35}
